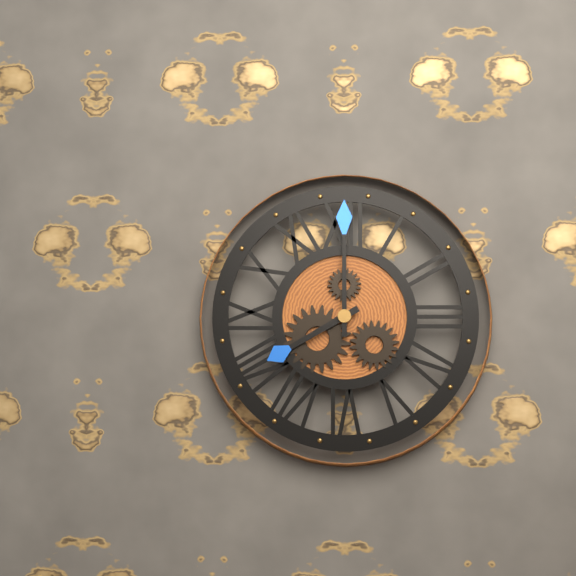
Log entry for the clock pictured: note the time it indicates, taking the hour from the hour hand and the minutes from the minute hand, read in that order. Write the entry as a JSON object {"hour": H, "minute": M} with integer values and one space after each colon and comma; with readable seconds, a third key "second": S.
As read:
{"hour": 8, "minute": 0}
